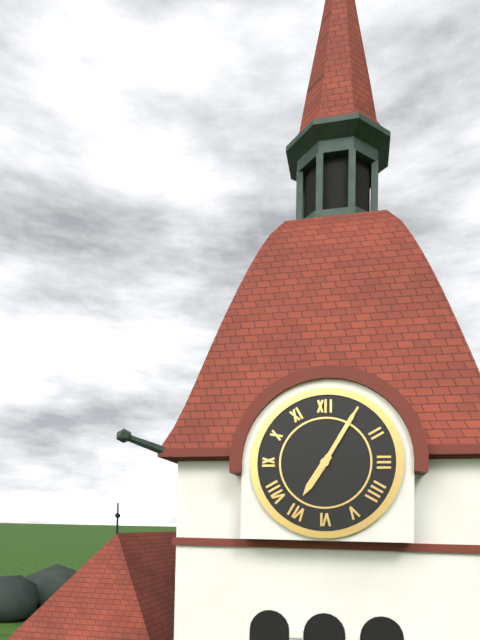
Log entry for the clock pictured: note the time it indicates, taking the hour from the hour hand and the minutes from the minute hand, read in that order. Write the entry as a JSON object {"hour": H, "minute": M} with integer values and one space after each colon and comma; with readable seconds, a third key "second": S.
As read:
{"hour": 7, "minute": 5}
